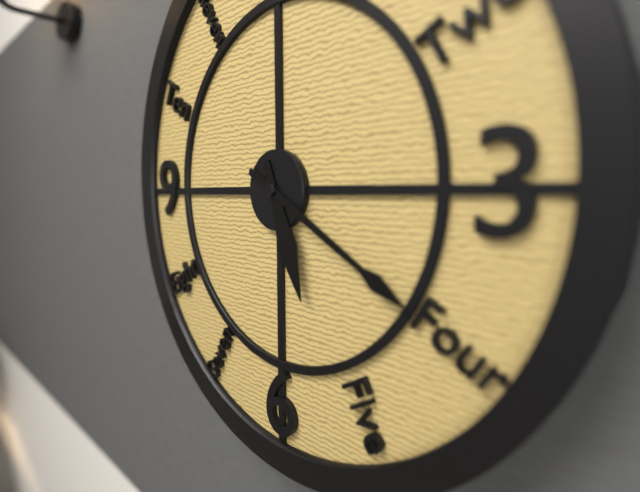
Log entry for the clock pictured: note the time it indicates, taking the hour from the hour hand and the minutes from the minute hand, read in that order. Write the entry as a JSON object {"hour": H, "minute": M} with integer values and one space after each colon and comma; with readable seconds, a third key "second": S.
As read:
{"hour": 5, "minute": 20}
